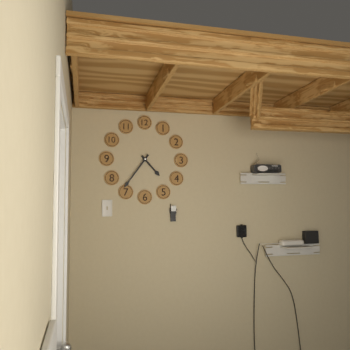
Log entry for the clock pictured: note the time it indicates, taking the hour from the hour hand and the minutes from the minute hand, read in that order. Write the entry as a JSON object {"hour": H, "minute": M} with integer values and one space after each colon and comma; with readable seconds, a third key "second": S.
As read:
{"hour": 4, "minute": 36}
